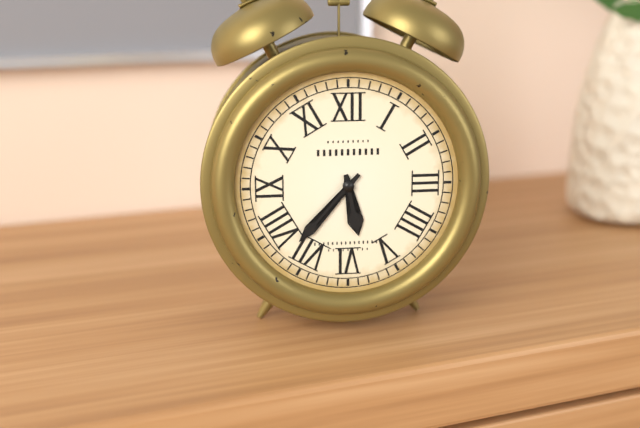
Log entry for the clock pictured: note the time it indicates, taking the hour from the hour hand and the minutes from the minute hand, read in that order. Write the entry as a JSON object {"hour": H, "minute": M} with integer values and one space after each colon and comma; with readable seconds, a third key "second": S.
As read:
{"hour": 5, "minute": 37}
